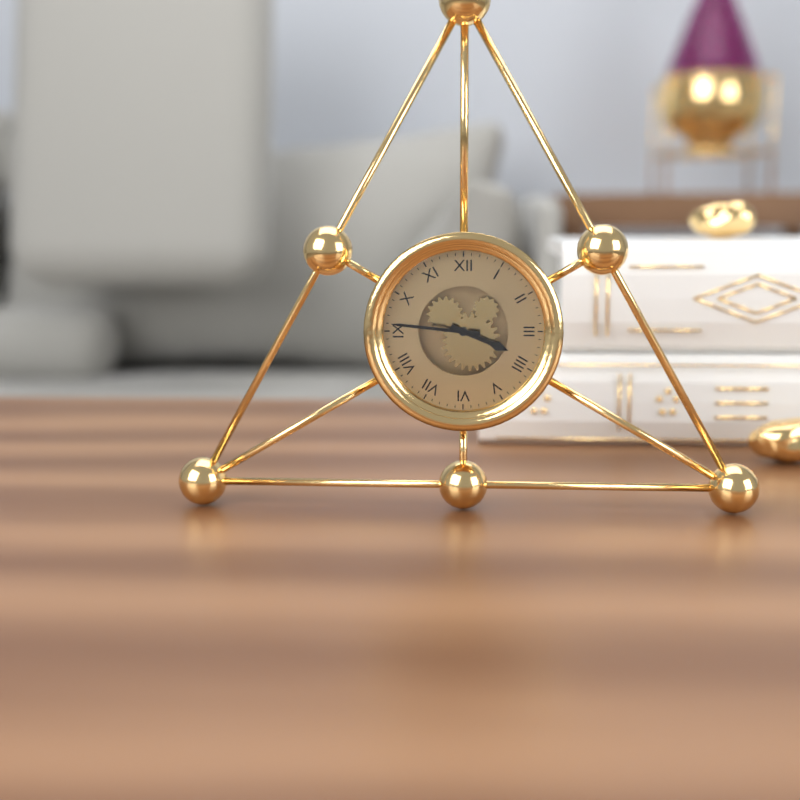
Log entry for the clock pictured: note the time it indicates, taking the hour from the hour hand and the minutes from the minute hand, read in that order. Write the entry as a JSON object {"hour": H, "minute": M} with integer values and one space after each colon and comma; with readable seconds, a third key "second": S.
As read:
{"hour": 3, "minute": 46}
